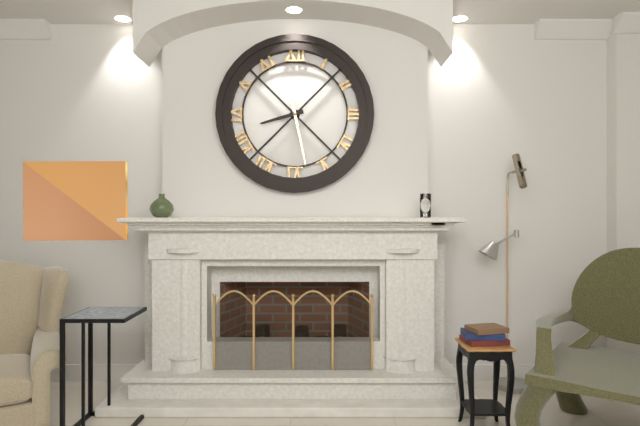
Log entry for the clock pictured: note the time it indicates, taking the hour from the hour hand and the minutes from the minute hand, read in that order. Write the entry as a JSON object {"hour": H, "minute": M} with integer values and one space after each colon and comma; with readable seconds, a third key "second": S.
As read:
{"hour": 8, "minute": 28}
